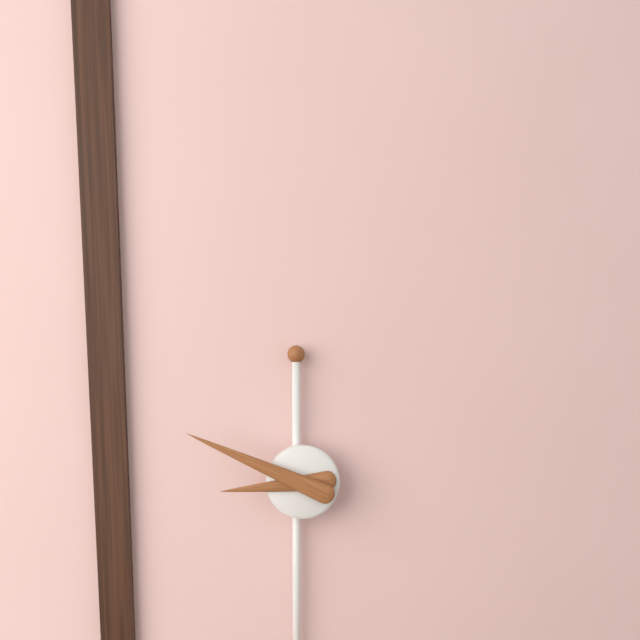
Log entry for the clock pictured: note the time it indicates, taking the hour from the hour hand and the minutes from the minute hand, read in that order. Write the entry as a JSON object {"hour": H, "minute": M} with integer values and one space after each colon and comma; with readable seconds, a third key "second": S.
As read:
{"hour": 8, "minute": 49}
